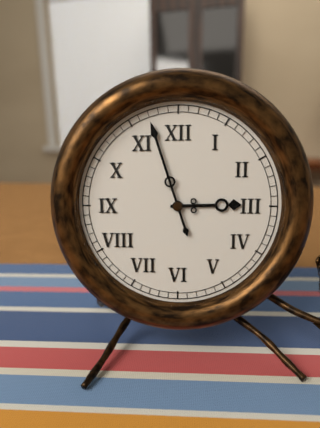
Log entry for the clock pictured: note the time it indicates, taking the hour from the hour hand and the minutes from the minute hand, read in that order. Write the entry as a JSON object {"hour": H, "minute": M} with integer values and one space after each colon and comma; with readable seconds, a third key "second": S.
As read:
{"hour": 2, "minute": 57}
